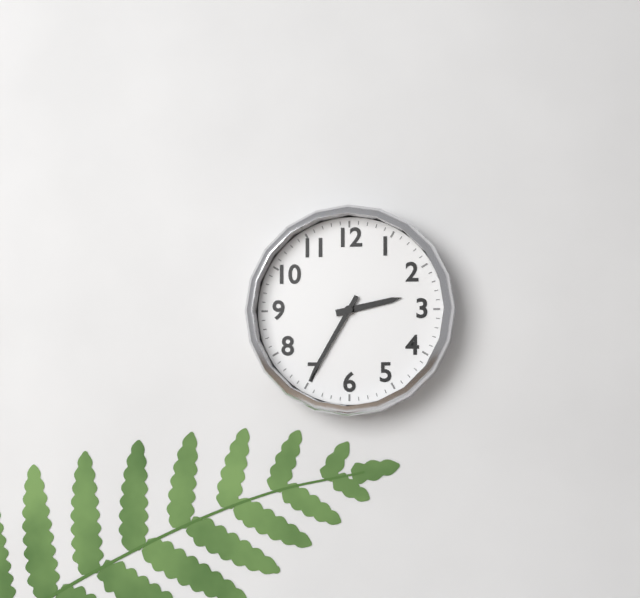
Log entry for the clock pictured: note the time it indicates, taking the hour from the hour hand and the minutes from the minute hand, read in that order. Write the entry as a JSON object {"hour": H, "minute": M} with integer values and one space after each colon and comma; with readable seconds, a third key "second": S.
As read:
{"hour": 2, "minute": 35}
